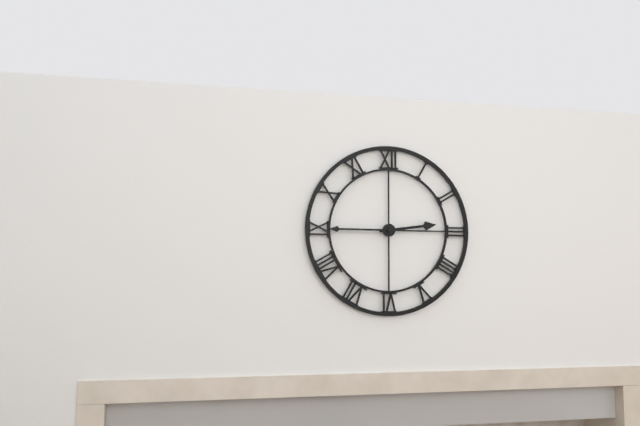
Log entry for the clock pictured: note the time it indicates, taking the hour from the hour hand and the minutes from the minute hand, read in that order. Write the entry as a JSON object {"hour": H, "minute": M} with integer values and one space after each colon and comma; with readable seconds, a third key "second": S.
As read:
{"hour": 2, "minute": 45}
